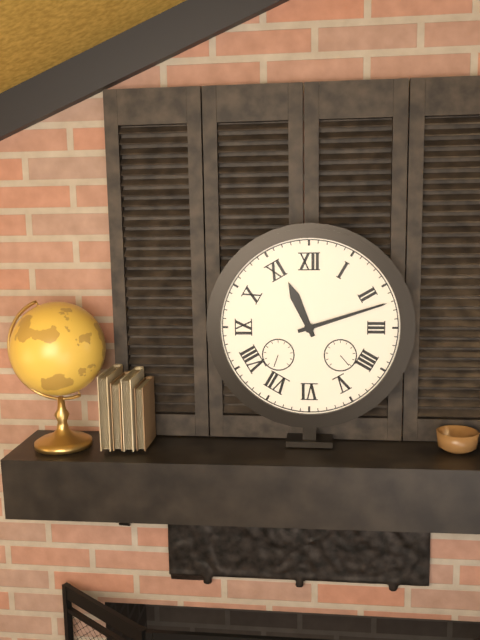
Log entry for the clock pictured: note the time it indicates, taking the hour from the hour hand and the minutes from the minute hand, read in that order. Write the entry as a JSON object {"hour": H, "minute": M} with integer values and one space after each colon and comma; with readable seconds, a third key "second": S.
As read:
{"hour": 11, "minute": 12}
